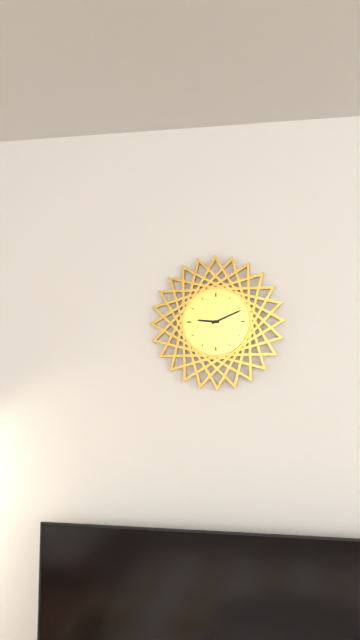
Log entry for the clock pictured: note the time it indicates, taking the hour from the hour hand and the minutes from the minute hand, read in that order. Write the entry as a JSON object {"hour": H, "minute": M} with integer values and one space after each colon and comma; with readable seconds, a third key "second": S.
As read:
{"hour": 9, "minute": 11}
